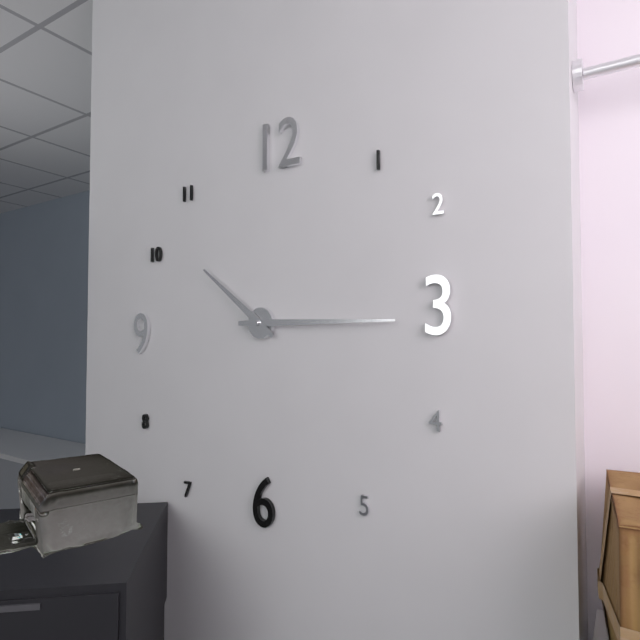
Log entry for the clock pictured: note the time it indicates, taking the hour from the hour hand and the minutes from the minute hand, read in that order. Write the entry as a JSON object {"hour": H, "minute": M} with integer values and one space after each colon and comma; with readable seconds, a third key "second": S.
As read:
{"hour": 10, "minute": 15}
